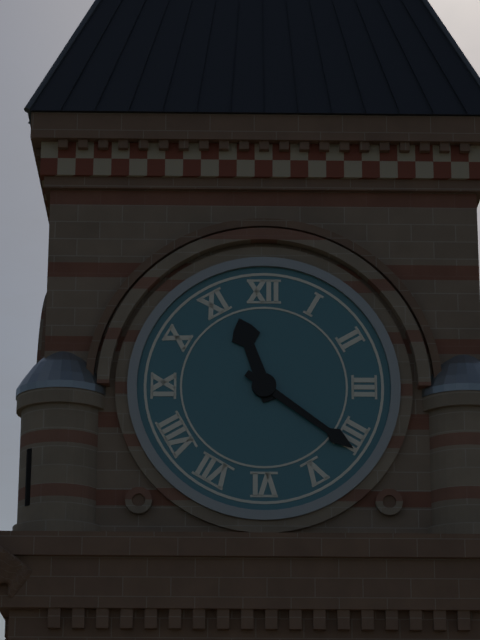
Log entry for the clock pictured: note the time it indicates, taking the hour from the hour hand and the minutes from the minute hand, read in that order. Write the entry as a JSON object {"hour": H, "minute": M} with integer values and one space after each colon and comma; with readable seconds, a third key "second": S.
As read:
{"hour": 11, "minute": 21}
